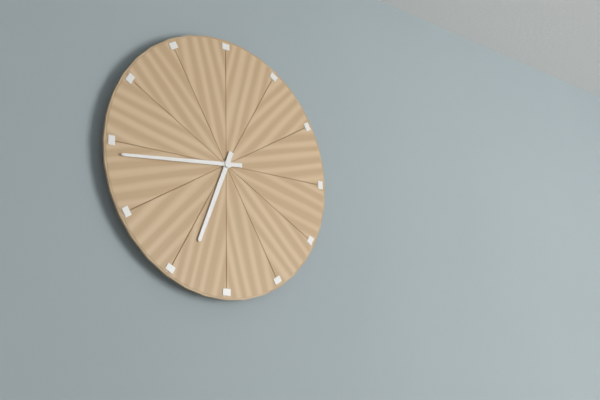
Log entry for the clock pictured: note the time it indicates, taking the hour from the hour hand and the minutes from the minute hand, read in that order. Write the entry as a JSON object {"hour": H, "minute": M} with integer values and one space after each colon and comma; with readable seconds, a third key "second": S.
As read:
{"hour": 6, "minute": 44}
